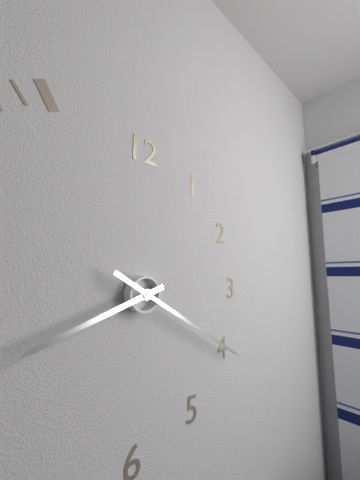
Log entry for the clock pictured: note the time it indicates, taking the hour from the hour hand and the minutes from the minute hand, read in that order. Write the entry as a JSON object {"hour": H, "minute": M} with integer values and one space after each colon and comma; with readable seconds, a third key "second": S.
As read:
{"hour": 8, "minute": 20}
